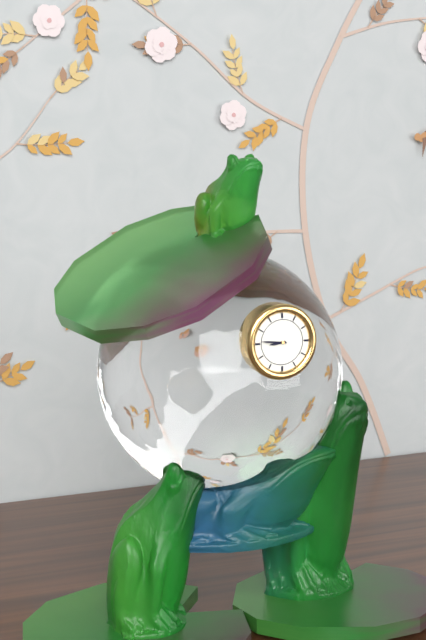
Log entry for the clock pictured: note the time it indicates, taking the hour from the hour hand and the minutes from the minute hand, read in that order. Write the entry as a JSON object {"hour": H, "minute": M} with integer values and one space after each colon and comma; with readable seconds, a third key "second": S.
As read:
{"hour": 8, "minute": 46}
